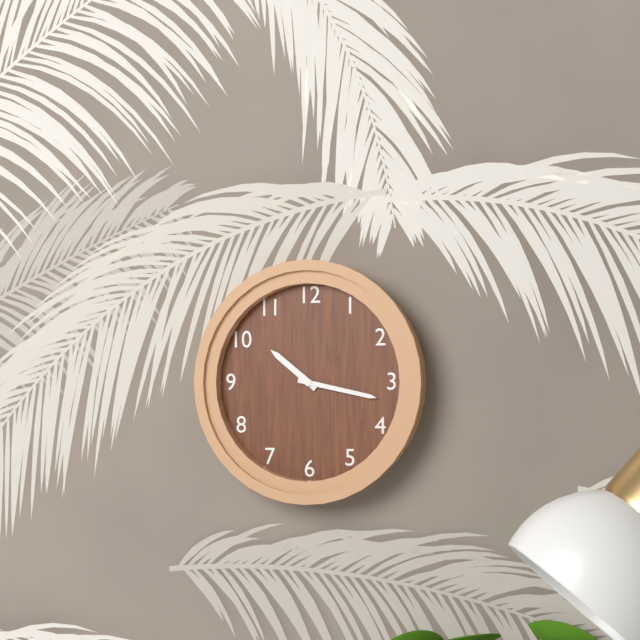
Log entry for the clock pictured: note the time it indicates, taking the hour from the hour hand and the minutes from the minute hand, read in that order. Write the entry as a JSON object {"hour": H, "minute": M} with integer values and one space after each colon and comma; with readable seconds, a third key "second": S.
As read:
{"hour": 10, "minute": 17}
